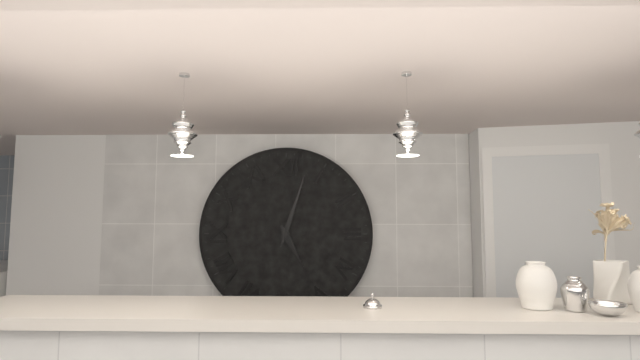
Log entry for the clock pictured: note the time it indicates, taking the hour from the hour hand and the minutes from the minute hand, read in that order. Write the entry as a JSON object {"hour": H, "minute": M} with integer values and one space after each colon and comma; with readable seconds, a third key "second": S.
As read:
{"hour": 5, "minute": 3}
